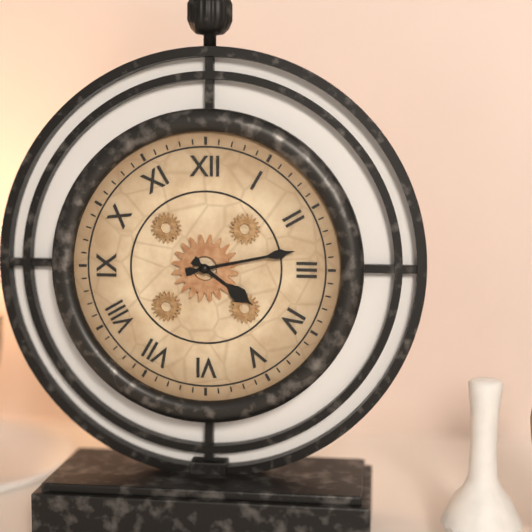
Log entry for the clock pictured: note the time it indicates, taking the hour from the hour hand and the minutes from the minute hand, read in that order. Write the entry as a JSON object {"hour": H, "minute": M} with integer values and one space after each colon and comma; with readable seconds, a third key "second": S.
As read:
{"hour": 4, "minute": 13}
